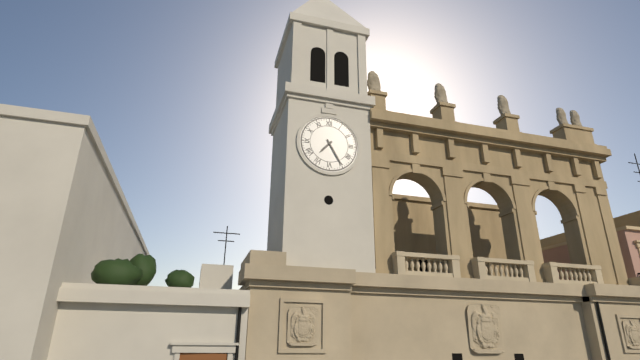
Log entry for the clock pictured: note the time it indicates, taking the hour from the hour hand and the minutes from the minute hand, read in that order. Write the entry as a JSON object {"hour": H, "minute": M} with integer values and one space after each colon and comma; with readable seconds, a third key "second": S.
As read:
{"hour": 7, "minute": 25}
